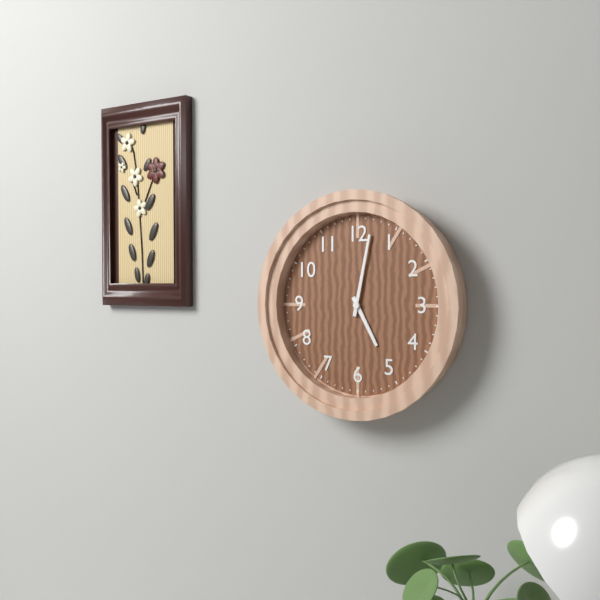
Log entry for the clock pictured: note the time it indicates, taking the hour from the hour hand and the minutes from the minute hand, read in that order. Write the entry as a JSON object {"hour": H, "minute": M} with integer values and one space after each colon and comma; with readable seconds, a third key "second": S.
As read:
{"hour": 5, "minute": 2}
